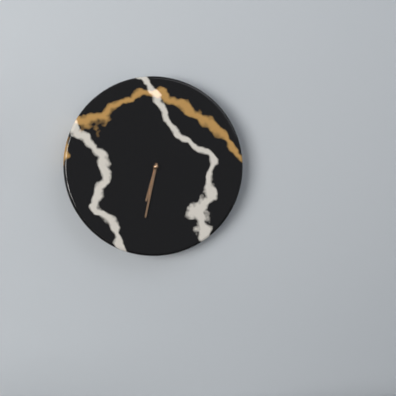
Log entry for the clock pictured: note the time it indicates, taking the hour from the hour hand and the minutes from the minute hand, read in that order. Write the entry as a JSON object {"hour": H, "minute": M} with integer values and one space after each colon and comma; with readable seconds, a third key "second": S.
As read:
{"hour": 6, "minute": 32}
